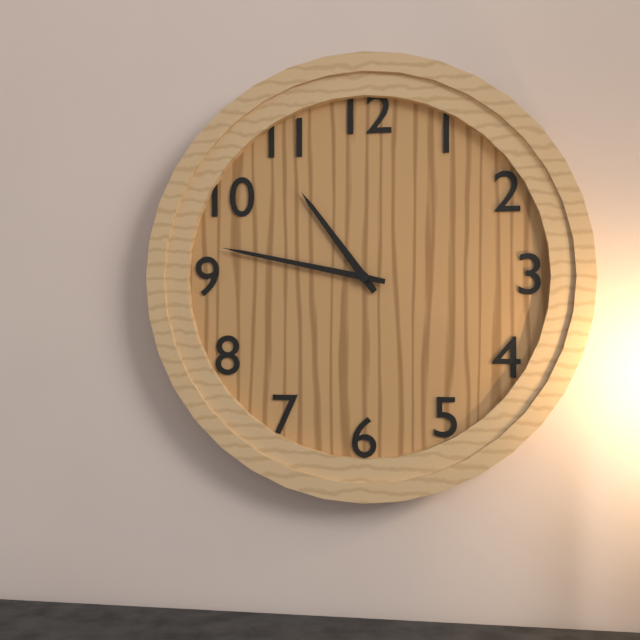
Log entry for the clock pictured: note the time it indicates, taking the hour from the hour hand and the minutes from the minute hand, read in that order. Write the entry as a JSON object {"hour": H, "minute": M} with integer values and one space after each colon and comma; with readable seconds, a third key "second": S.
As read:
{"hour": 10, "minute": 47}
